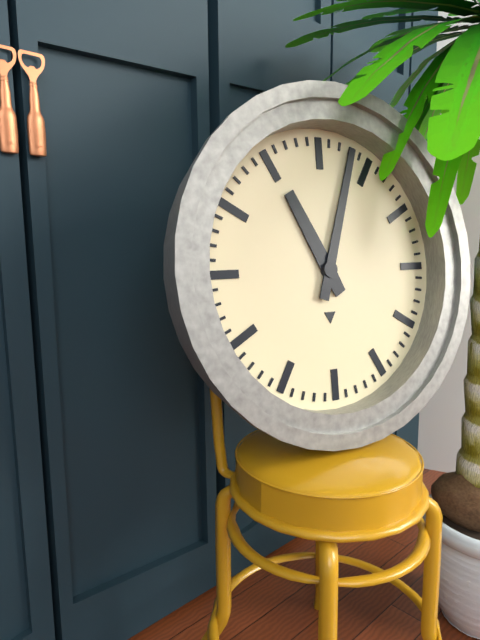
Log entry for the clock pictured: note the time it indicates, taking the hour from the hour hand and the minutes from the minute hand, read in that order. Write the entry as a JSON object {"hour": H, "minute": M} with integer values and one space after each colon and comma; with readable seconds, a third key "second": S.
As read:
{"hour": 11, "minute": 3}
